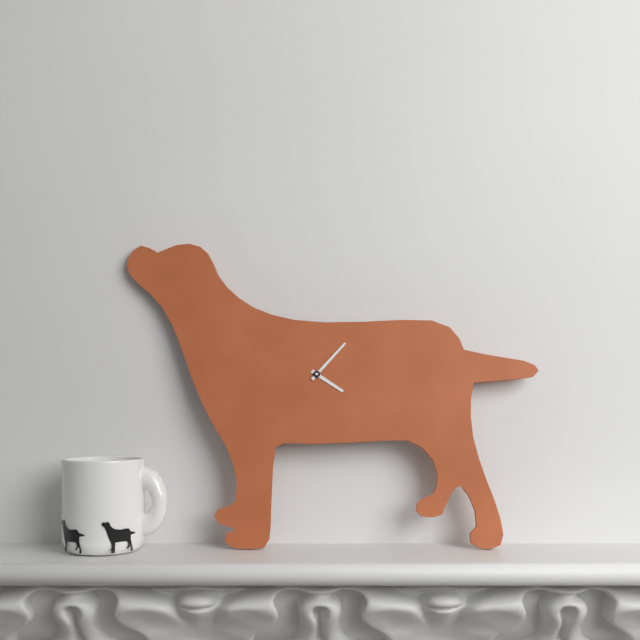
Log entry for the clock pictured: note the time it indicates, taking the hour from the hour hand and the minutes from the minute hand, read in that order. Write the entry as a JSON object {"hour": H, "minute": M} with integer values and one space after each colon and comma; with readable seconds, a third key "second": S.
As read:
{"hour": 4, "minute": 7}
